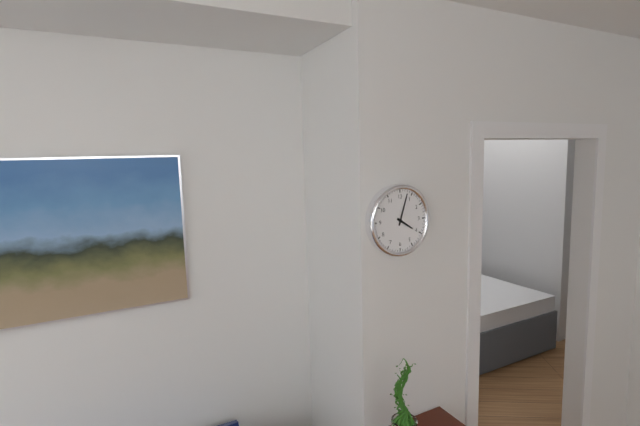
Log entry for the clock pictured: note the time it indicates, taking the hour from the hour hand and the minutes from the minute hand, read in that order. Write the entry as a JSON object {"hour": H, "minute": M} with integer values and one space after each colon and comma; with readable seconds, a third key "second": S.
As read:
{"hour": 4, "minute": 3}
